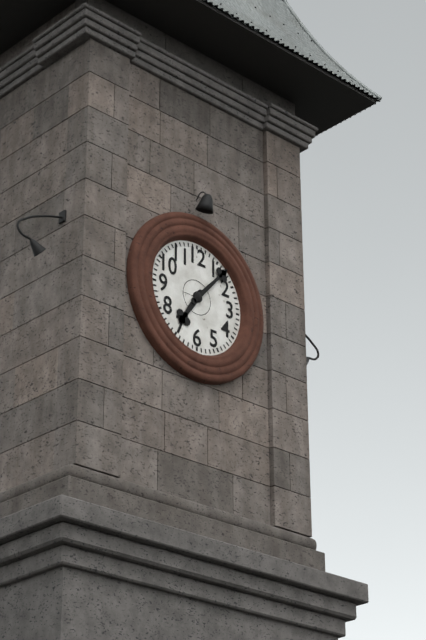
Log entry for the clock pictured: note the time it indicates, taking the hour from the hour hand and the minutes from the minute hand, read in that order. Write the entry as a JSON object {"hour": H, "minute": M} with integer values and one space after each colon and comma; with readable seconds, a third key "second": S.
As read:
{"hour": 7, "minute": 7}
